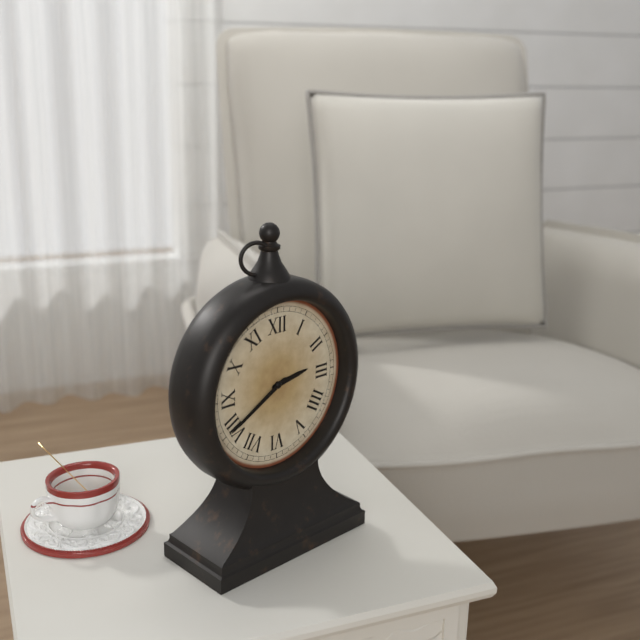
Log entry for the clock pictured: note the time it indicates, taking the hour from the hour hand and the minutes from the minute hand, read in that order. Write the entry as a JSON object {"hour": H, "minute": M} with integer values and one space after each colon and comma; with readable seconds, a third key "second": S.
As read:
{"hour": 2, "minute": 40}
